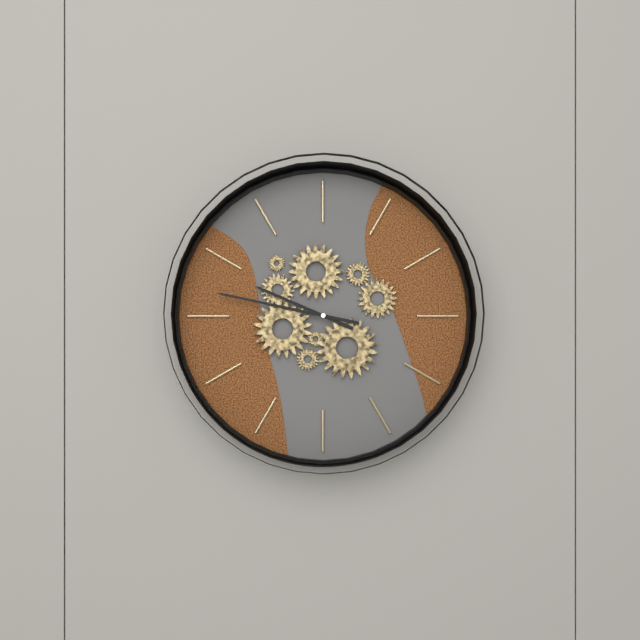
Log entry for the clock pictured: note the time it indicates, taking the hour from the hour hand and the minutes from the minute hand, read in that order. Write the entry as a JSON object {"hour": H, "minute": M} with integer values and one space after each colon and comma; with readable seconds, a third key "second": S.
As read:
{"hour": 9, "minute": 47}
